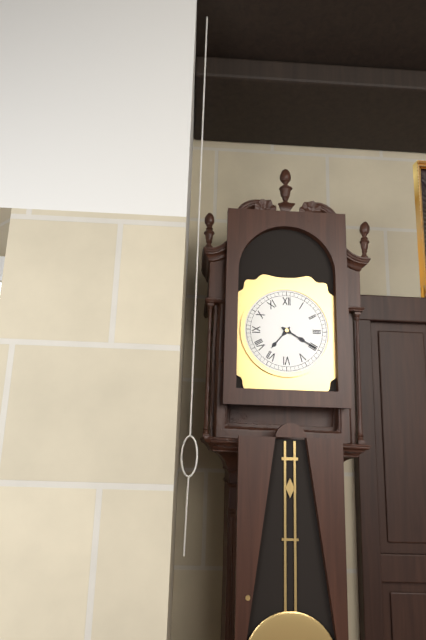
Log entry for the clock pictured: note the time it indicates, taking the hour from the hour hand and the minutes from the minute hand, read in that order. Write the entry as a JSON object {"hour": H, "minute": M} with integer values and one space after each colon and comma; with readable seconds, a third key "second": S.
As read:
{"hour": 7, "minute": 20}
